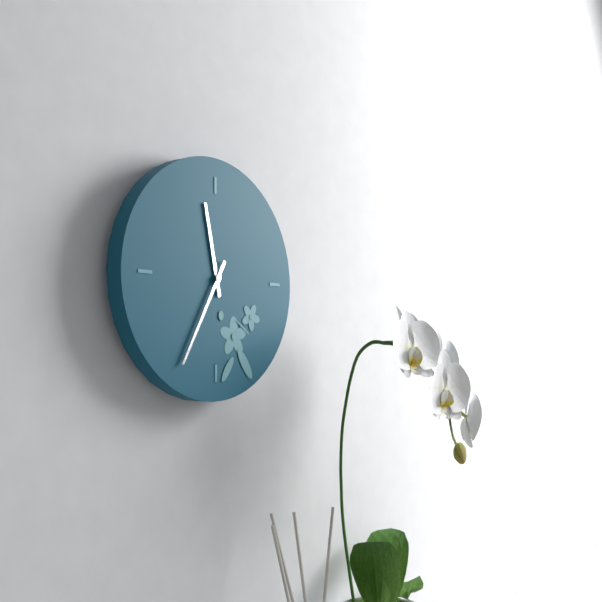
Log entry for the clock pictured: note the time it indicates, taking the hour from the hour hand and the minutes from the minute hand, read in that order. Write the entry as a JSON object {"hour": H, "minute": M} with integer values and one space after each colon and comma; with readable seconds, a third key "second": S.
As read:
{"hour": 11, "minute": 35}
